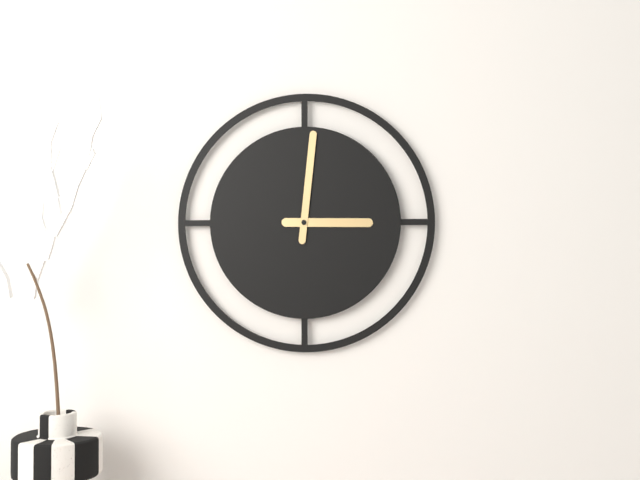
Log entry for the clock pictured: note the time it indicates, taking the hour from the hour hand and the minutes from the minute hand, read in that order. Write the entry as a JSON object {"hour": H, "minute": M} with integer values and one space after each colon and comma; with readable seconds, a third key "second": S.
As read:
{"hour": 3, "minute": 1}
